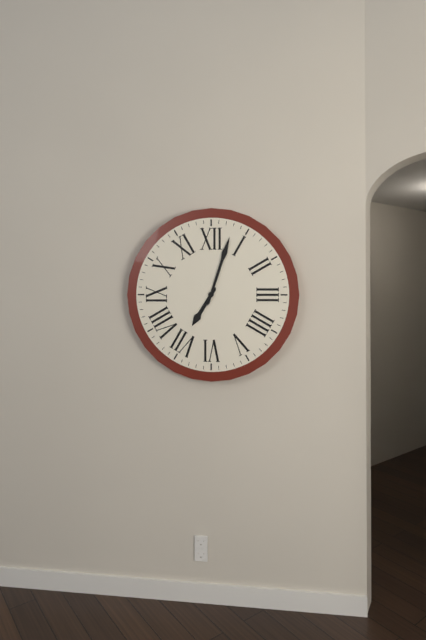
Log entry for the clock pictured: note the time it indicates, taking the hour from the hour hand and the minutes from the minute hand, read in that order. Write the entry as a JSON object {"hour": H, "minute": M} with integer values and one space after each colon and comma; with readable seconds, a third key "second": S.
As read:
{"hour": 7, "minute": 3}
